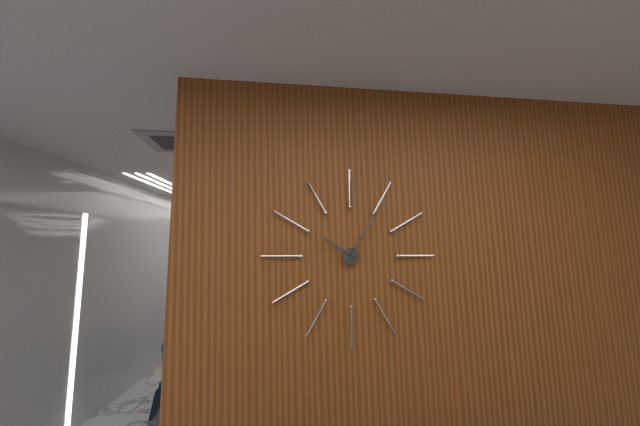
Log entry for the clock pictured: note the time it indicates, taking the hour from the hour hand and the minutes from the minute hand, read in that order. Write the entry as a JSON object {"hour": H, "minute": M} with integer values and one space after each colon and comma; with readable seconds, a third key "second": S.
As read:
{"hour": 10, "minute": 5}
